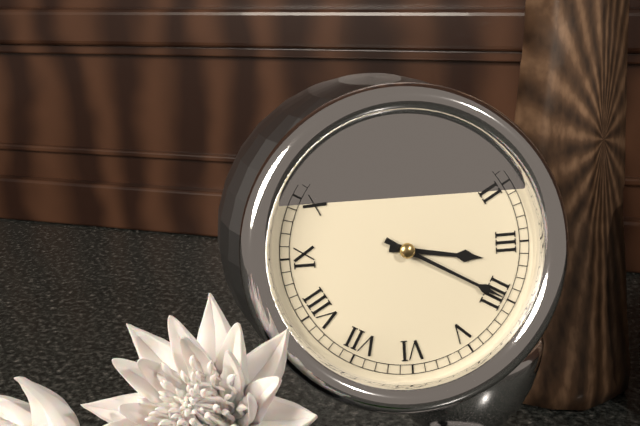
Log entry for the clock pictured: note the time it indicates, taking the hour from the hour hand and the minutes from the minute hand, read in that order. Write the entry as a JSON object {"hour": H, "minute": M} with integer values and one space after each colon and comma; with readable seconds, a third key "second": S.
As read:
{"hour": 3, "minute": 20}
